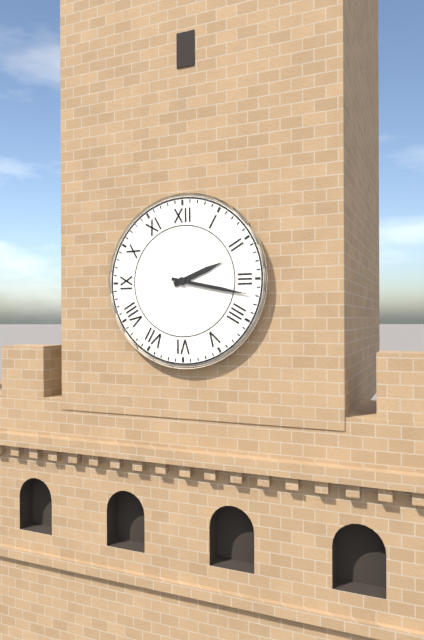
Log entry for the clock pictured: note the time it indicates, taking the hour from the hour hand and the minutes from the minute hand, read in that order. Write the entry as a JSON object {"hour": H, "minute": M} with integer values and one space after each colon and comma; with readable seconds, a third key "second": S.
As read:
{"hour": 2, "minute": 17}
